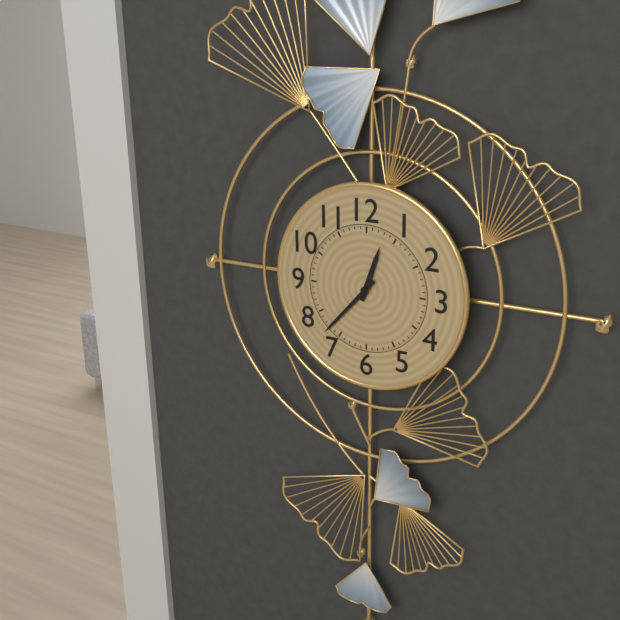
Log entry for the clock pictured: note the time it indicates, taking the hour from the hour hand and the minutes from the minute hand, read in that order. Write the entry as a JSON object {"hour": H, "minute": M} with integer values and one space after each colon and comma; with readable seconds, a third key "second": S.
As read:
{"hour": 12, "minute": 37}
